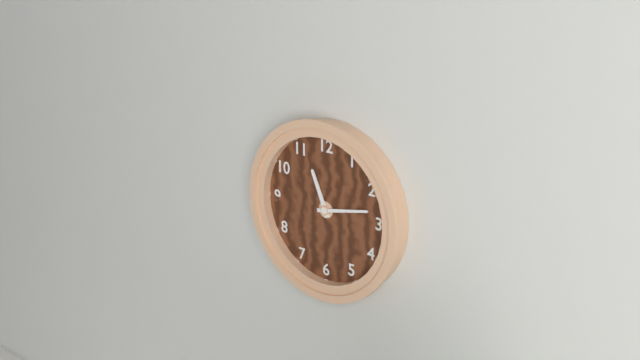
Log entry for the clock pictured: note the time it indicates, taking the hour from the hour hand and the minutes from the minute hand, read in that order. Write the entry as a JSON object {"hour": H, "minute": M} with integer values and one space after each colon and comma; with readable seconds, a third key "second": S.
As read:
{"hour": 11, "minute": 13}
